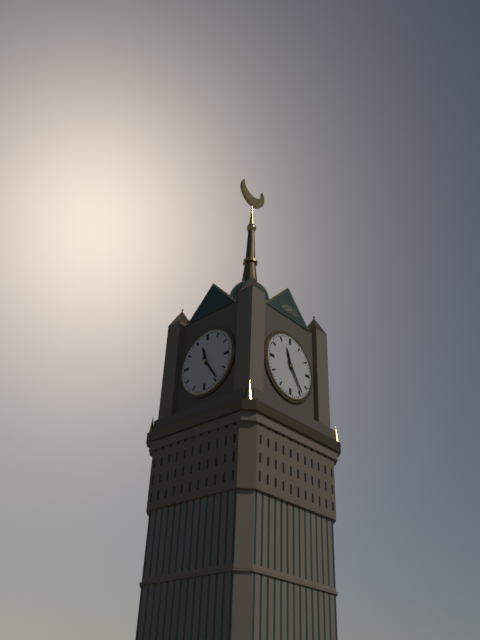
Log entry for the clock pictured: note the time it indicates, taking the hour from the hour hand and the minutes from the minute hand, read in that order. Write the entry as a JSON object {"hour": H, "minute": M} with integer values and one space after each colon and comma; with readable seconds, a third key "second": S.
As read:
{"hour": 11, "minute": 24}
